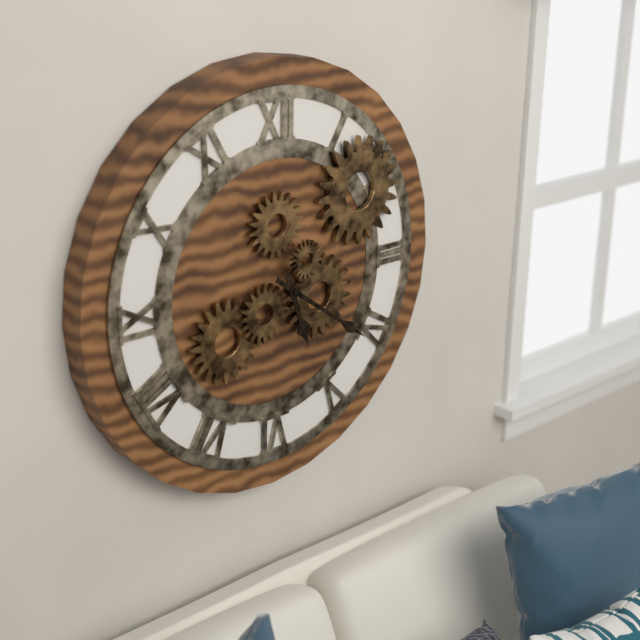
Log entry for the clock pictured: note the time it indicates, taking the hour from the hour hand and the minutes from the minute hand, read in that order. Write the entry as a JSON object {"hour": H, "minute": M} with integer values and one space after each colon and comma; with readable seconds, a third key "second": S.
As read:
{"hour": 5, "minute": 21}
